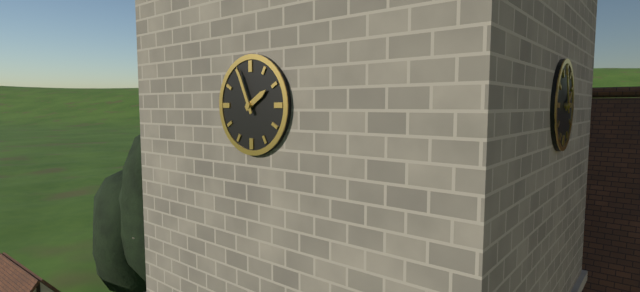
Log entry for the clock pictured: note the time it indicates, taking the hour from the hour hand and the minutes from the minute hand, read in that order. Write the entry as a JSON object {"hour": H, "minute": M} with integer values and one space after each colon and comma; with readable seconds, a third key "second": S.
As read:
{"hour": 1, "minute": 56}
